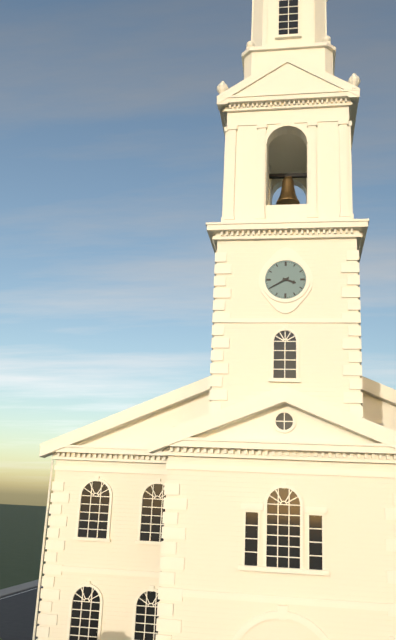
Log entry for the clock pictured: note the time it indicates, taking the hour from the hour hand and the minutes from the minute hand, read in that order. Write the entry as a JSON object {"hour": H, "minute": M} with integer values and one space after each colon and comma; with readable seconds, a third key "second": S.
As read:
{"hour": 3, "minute": 40}
